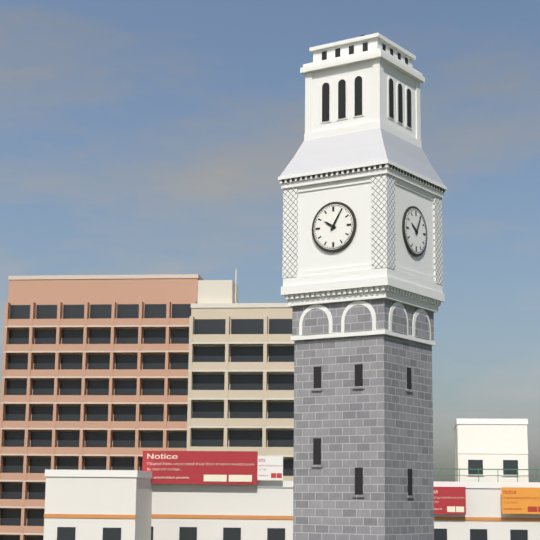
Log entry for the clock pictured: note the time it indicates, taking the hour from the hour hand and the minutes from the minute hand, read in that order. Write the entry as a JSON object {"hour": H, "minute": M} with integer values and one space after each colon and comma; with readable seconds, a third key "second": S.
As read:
{"hour": 10, "minute": 5}
